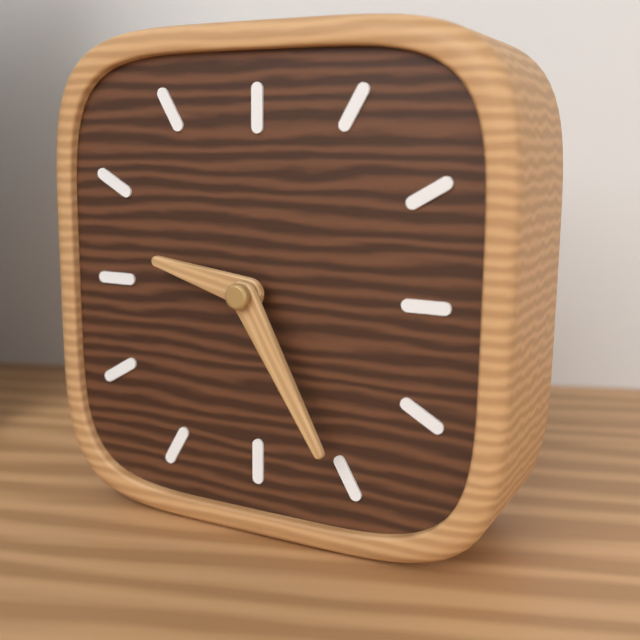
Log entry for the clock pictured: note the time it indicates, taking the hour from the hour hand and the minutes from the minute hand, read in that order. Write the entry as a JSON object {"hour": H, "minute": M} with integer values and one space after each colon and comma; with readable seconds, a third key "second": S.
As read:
{"hour": 9, "minute": 25}
